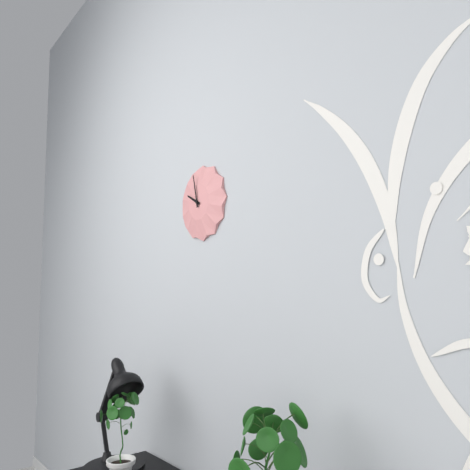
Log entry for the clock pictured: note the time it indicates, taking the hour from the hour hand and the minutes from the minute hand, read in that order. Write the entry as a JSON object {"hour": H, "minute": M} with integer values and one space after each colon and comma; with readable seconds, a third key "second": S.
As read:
{"hour": 9, "minute": 58}
